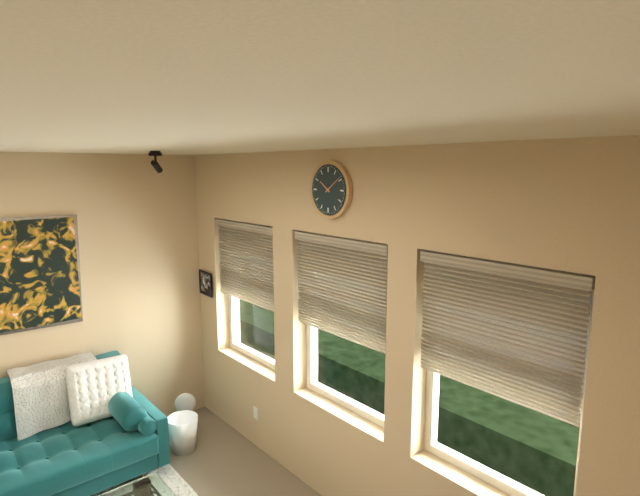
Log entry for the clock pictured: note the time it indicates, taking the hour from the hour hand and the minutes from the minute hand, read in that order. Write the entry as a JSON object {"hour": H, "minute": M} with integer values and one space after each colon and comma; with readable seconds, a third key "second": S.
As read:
{"hour": 10, "minute": 9}
